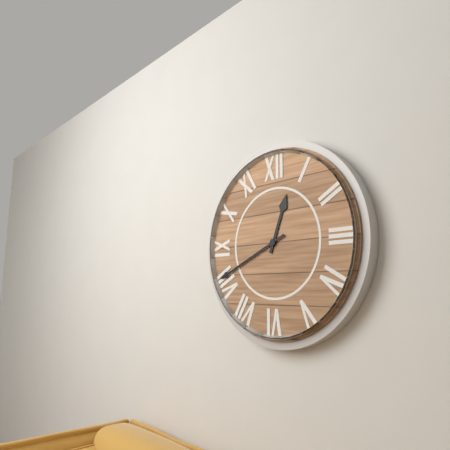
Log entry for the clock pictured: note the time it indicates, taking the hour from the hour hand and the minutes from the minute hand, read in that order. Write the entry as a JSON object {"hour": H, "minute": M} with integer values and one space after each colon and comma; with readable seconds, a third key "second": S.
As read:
{"hour": 12, "minute": 41}
